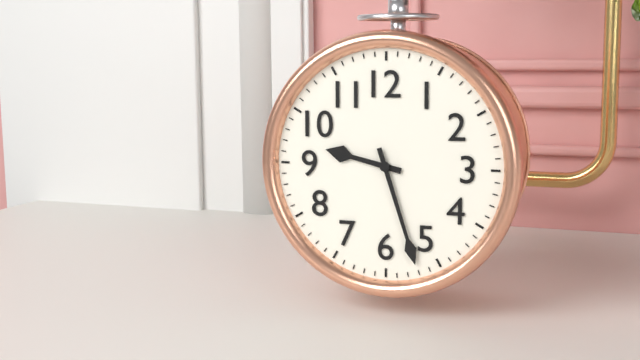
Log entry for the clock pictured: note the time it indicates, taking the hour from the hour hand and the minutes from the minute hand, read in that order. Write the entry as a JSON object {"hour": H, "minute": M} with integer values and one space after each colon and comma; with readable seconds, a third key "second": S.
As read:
{"hour": 9, "minute": 27}
